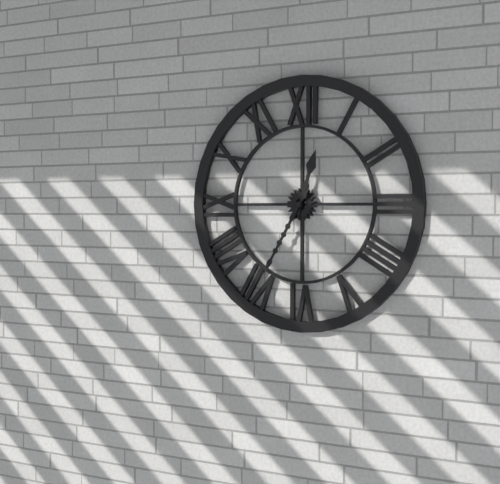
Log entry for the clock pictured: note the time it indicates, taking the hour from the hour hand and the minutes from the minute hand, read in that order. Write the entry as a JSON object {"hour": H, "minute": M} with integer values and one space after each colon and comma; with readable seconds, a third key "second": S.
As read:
{"hour": 12, "minute": 35}
